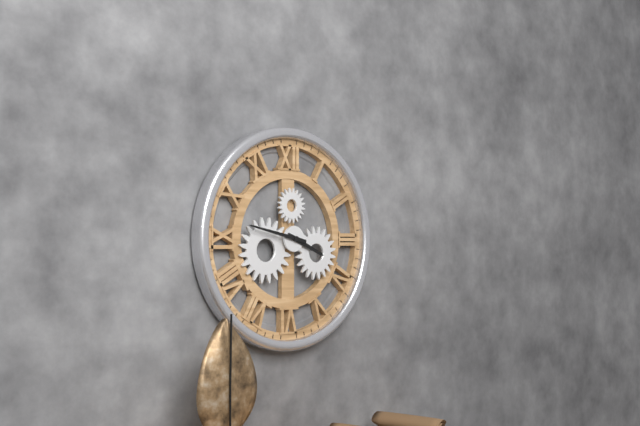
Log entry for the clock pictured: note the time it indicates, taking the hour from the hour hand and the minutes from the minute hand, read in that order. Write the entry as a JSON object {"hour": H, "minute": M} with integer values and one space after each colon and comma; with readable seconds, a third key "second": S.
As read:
{"hour": 3, "minute": 47}
